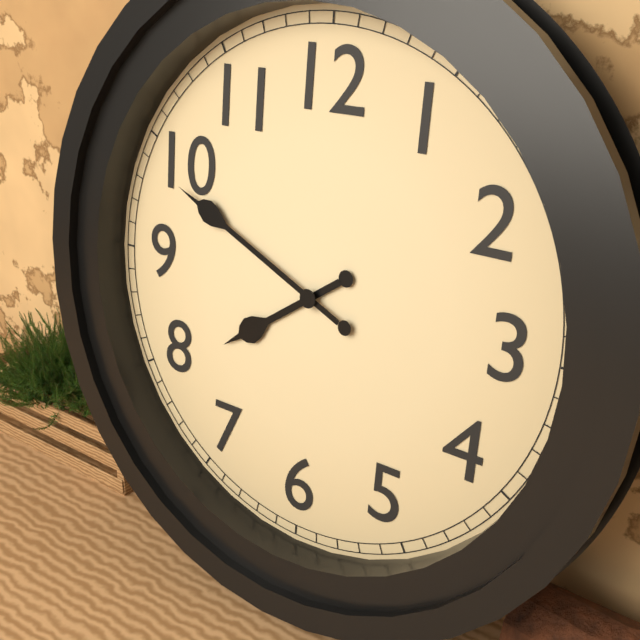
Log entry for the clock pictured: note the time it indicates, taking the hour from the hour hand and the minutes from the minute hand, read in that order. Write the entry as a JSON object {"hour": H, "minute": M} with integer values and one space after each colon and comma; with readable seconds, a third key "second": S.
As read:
{"hour": 7, "minute": 49}
